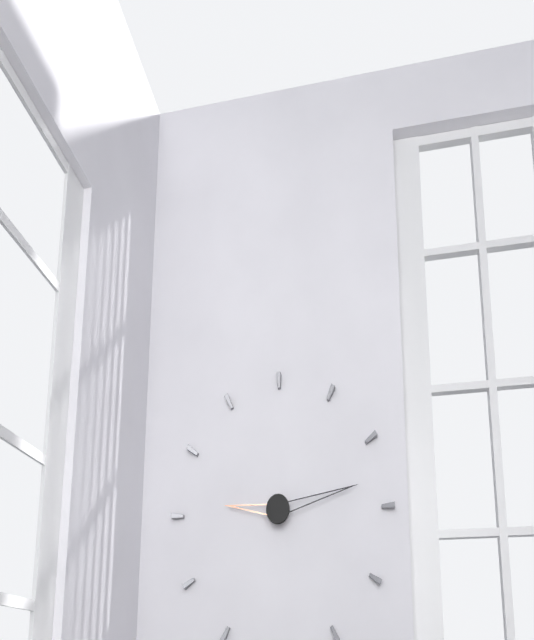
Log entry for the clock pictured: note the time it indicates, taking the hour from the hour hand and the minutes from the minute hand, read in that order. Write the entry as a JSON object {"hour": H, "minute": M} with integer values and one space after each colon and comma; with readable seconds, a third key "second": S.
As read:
{"hour": 9, "minute": 13}
